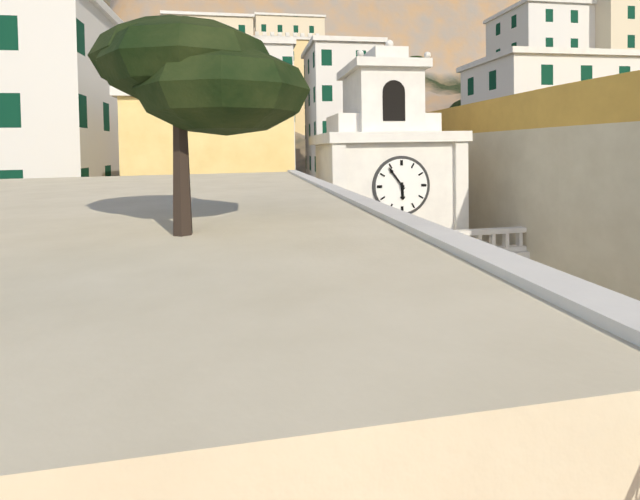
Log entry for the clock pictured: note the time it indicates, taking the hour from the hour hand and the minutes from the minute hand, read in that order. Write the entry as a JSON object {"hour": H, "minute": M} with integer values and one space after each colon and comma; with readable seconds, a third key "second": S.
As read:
{"hour": 5, "minute": 54}
